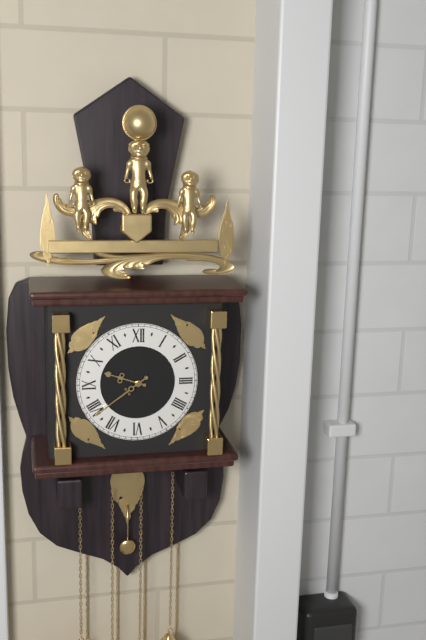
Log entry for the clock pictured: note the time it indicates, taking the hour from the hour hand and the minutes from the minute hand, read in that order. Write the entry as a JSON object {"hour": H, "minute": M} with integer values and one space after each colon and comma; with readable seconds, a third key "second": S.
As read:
{"hour": 9, "minute": 39}
